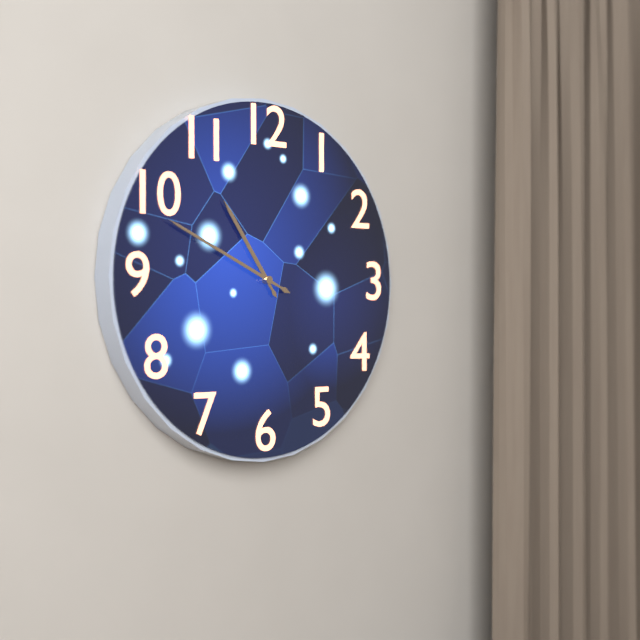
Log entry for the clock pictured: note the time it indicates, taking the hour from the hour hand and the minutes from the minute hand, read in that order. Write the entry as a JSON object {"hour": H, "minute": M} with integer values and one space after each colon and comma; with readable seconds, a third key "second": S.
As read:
{"hour": 10, "minute": 49}
